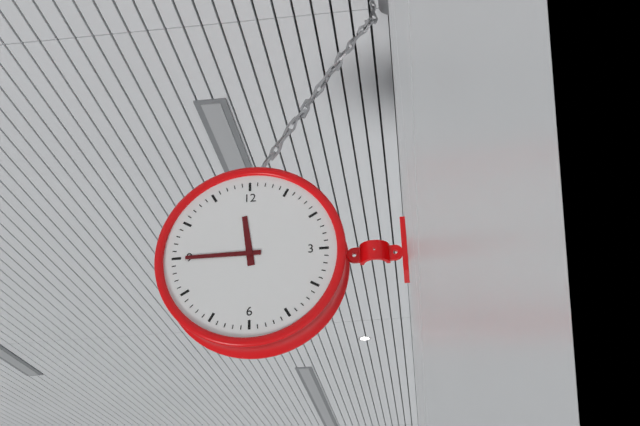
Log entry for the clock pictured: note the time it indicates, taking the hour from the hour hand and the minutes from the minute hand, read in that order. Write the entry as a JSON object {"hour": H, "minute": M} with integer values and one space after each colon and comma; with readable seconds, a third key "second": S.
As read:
{"hour": 11, "minute": 45}
